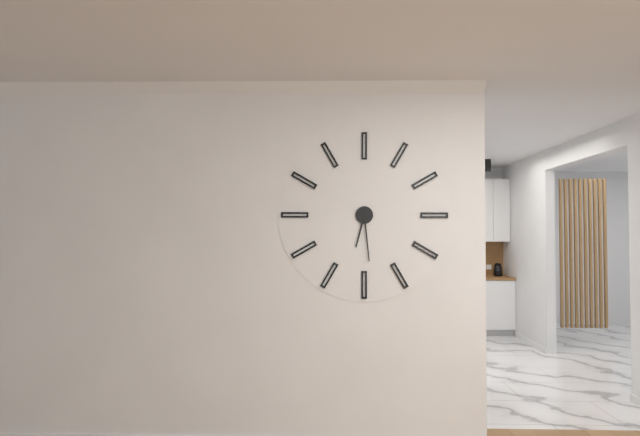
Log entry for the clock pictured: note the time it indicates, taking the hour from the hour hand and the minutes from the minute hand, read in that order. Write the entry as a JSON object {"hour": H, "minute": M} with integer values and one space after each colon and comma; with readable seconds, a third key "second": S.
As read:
{"hour": 6, "minute": 29}
